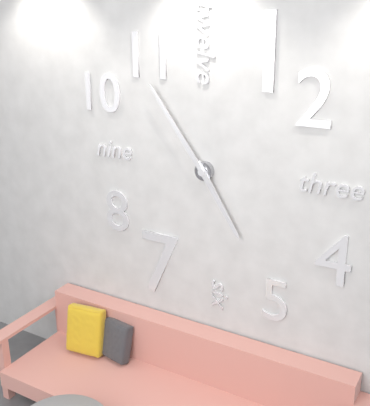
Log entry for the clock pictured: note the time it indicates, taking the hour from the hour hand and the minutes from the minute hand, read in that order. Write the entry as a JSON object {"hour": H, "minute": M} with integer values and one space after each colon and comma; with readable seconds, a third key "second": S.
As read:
{"hour": 4, "minute": 54}
